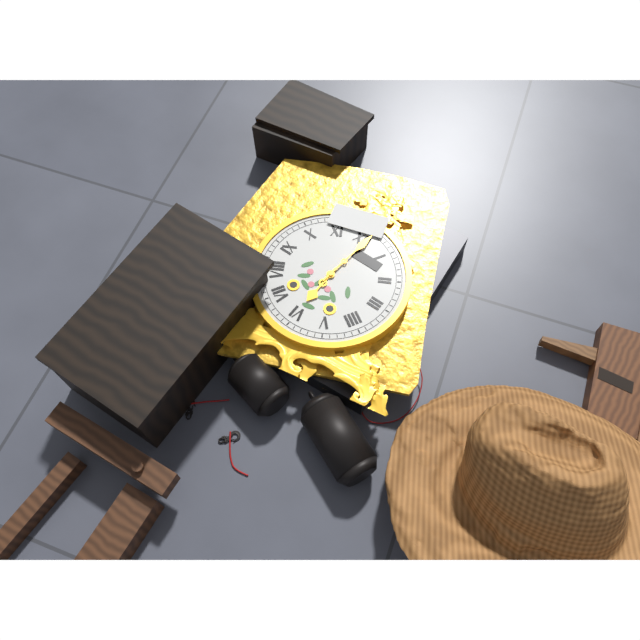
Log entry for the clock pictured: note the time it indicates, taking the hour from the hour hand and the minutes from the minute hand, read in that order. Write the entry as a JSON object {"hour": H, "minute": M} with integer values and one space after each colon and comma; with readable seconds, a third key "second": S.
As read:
{"hour": 6, "minute": 1}
